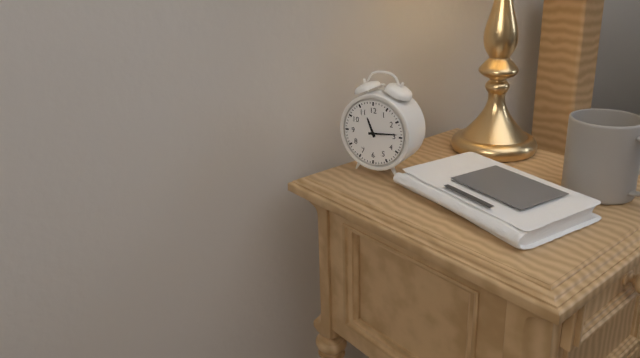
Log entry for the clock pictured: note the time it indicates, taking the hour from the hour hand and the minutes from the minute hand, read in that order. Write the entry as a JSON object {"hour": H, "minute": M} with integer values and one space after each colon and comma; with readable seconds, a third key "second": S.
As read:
{"hour": 11, "minute": 14}
